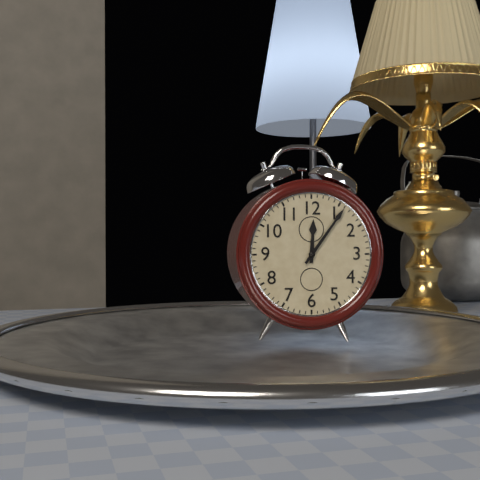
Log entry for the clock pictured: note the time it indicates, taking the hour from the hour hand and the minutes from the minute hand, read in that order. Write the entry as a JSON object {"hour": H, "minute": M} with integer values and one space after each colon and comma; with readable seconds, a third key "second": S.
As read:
{"hour": 12, "minute": 6}
